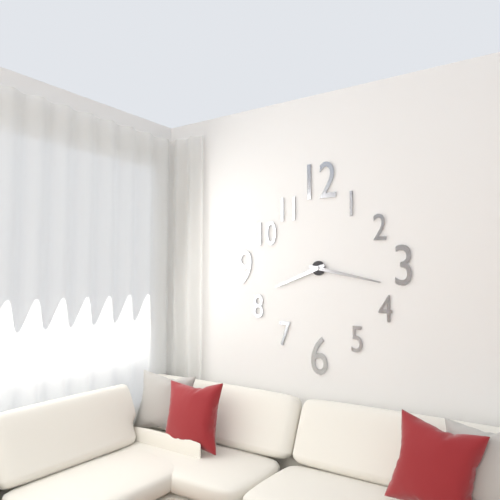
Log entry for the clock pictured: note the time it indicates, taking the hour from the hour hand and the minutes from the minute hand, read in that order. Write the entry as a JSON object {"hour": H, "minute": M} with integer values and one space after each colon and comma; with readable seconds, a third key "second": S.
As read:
{"hour": 8, "minute": 17}
